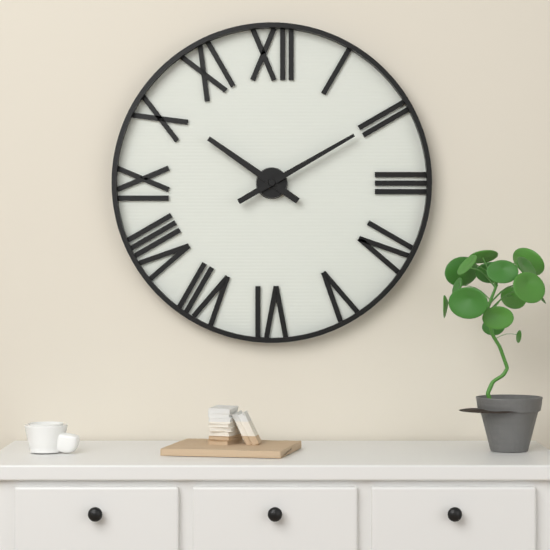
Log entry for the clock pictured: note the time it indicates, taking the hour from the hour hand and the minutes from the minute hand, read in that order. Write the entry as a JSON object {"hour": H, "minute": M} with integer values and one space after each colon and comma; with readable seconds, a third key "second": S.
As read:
{"hour": 10, "minute": 10}
